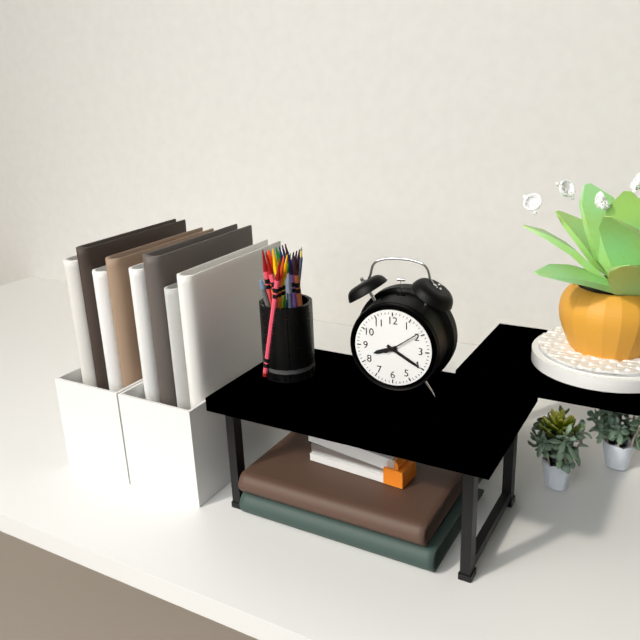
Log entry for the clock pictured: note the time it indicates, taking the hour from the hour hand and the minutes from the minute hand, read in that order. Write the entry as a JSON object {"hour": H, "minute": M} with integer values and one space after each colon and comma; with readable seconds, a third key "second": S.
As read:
{"hour": 8, "minute": 20}
